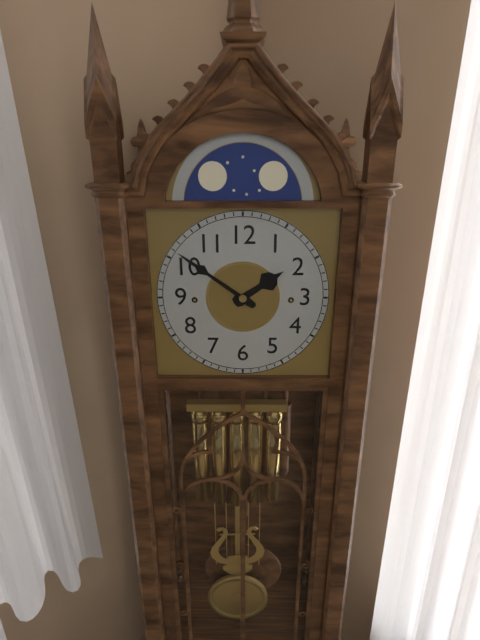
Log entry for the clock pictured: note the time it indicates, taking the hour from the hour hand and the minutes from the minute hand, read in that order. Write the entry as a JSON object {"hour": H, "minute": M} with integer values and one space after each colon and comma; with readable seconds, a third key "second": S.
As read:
{"hour": 1, "minute": 51}
